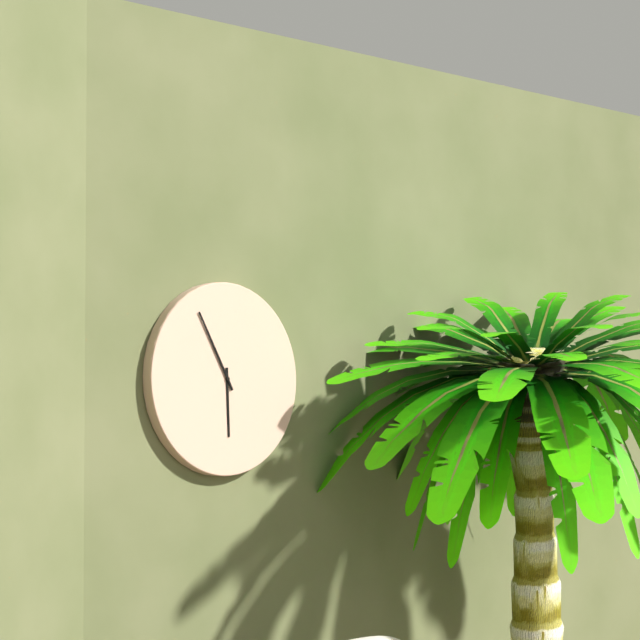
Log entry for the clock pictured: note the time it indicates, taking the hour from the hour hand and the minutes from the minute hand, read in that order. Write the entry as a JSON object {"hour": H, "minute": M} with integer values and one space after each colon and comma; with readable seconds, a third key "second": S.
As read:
{"hour": 5, "minute": 55}
